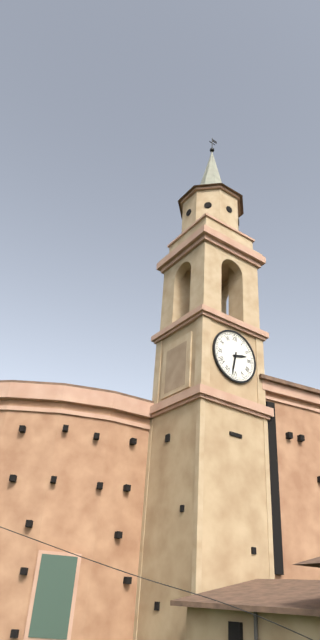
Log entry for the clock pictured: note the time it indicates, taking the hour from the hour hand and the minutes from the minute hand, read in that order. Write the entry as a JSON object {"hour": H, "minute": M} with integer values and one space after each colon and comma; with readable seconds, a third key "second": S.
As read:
{"hour": 2, "minute": 32}
